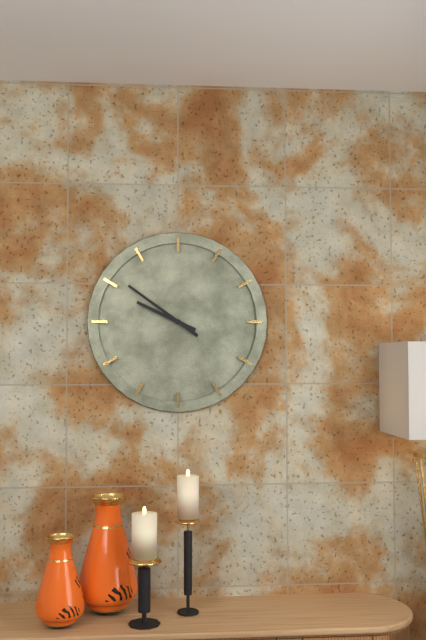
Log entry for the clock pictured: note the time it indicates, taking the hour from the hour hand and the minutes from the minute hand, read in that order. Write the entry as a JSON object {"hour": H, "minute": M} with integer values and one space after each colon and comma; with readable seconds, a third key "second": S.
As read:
{"hour": 9, "minute": 51}
